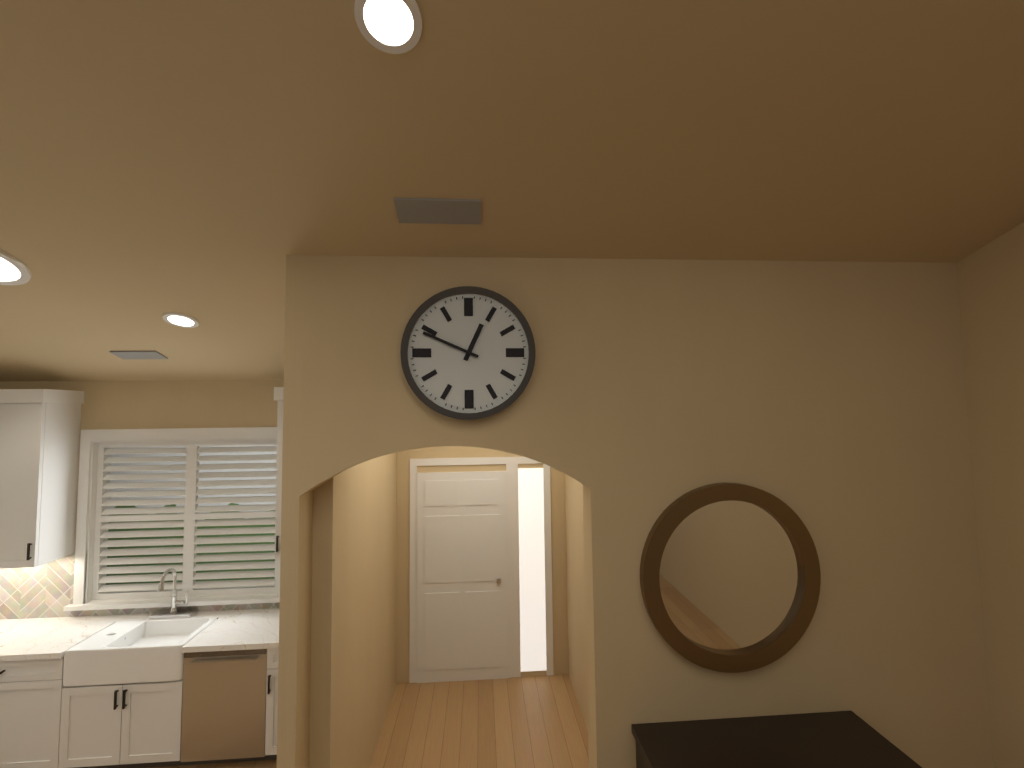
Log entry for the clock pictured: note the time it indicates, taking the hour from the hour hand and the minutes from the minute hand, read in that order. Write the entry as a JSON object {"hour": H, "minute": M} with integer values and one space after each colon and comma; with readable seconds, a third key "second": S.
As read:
{"hour": 12, "minute": 49}
